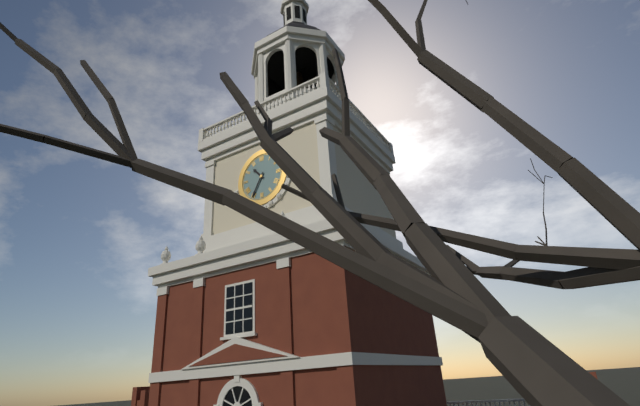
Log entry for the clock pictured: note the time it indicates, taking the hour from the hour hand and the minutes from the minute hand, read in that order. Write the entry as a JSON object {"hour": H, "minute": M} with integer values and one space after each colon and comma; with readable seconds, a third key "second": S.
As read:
{"hour": 10, "minute": 35}
